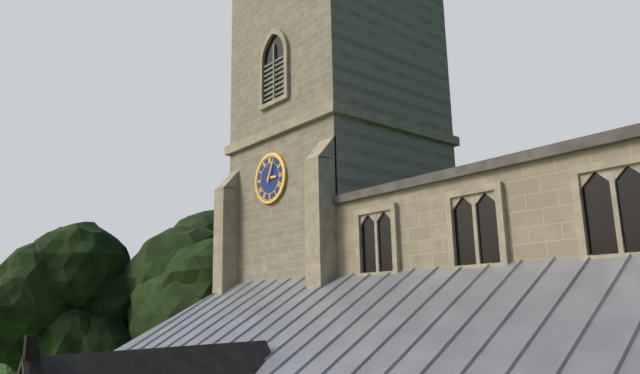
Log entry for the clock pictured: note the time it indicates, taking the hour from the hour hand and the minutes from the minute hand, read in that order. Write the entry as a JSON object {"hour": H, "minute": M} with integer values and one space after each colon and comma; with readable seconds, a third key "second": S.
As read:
{"hour": 3, "minute": 4}
